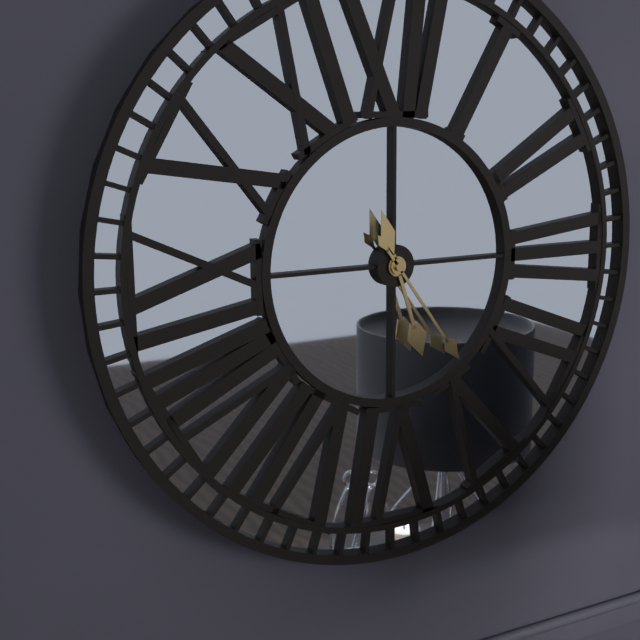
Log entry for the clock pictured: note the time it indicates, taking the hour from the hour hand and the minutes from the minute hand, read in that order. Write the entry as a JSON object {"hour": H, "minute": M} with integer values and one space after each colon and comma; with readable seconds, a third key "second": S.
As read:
{"hour": 5, "minute": 24}
